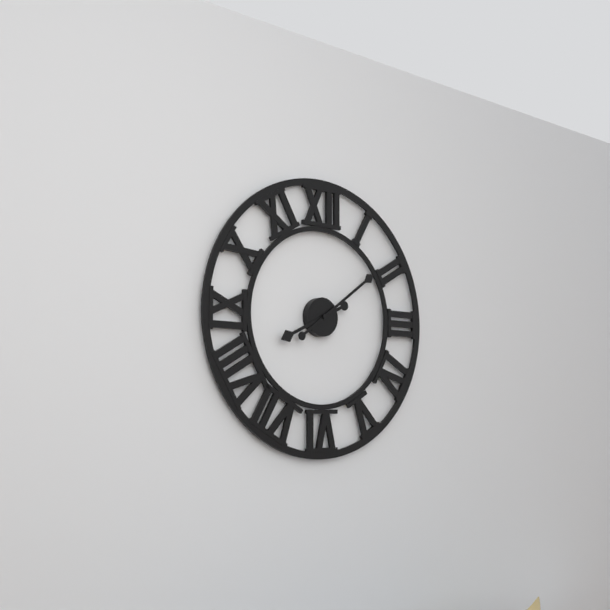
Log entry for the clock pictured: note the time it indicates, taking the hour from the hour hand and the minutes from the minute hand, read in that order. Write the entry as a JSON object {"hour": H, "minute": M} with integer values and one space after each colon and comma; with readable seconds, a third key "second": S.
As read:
{"hour": 8, "minute": 9}
